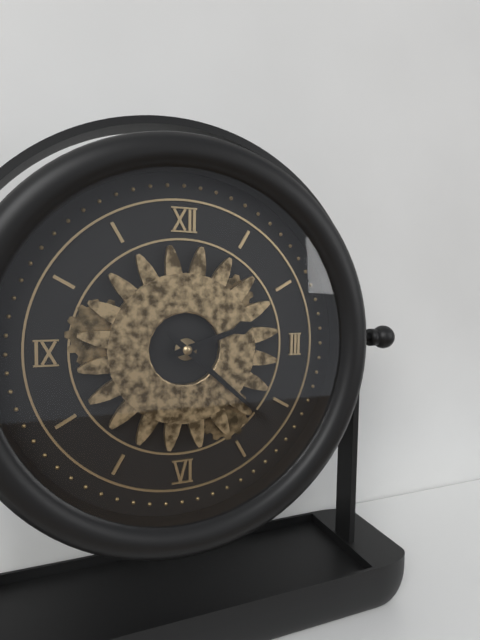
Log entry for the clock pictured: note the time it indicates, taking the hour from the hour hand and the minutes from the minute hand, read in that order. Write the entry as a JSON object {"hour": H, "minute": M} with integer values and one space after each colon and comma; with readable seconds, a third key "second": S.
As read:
{"hour": 2, "minute": 22}
